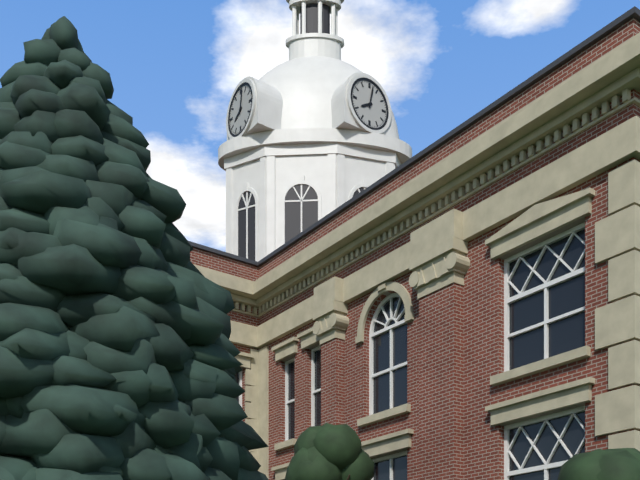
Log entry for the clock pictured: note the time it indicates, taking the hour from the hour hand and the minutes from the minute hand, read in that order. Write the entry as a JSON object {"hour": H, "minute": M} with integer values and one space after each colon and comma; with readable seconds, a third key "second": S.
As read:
{"hour": 8, "minute": 2}
